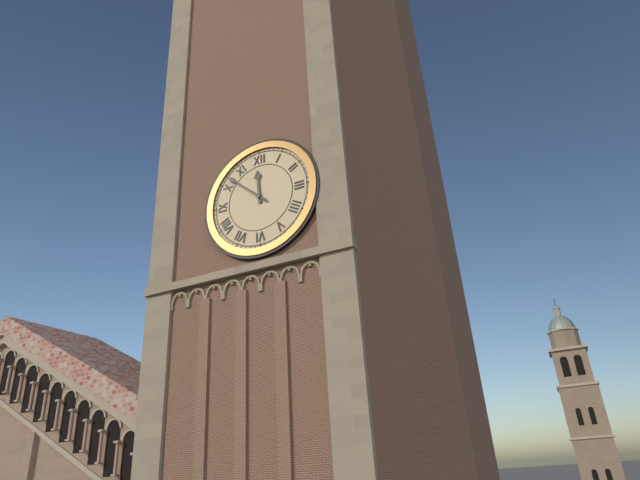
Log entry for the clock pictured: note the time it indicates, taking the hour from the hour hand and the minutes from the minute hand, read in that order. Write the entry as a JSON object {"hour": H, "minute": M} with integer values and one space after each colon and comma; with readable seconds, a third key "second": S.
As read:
{"hour": 11, "minute": 52}
